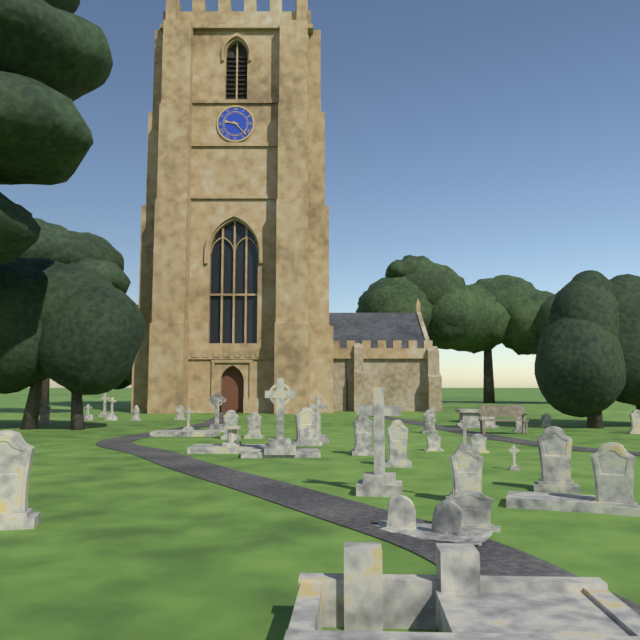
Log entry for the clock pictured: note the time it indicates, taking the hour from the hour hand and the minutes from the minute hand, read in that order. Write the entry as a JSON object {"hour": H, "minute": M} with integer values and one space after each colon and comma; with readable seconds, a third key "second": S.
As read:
{"hour": 9, "minute": 23}
